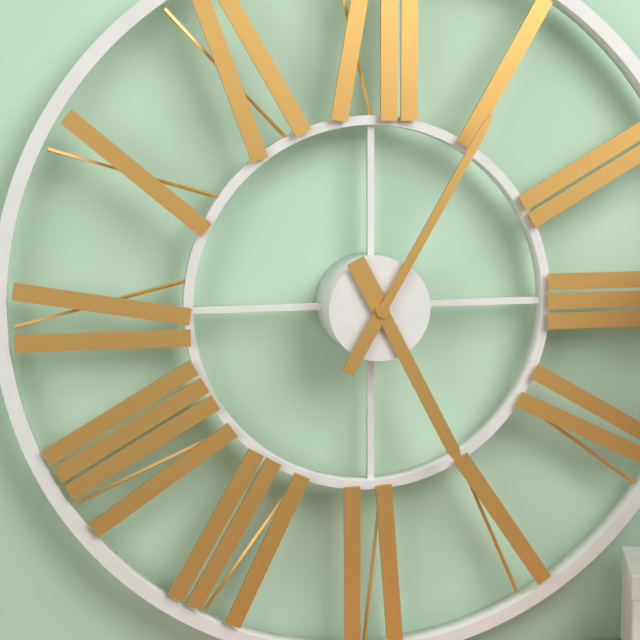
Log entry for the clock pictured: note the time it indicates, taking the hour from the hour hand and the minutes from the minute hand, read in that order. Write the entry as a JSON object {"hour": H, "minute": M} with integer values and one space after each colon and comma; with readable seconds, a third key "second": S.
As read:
{"hour": 5, "minute": 5}
